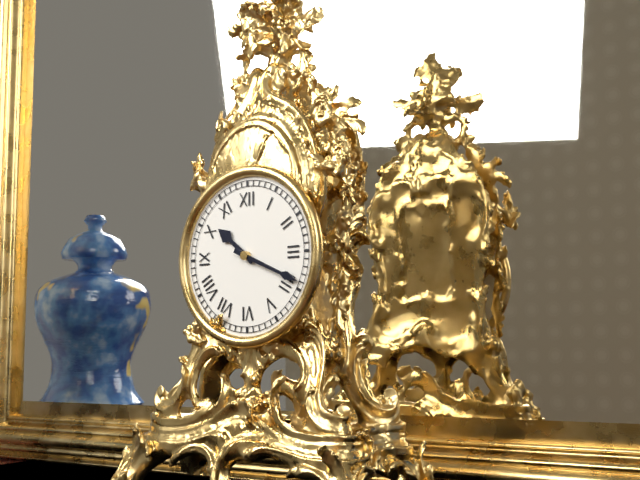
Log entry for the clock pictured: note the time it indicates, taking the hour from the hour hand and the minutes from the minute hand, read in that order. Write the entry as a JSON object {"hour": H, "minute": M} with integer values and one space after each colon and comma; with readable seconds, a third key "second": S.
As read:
{"hour": 10, "minute": 19}
